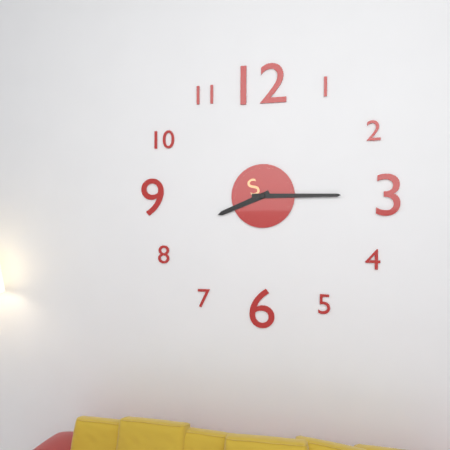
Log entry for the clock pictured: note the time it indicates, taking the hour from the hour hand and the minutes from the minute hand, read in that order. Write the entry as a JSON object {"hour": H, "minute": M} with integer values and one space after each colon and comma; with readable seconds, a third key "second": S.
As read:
{"hour": 8, "minute": 15}
